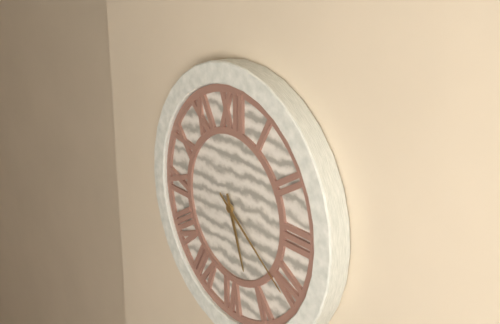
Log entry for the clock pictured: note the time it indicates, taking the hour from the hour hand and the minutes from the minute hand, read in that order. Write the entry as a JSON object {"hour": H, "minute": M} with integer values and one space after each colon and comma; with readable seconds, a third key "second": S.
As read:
{"hour": 5, "minute": 21}
